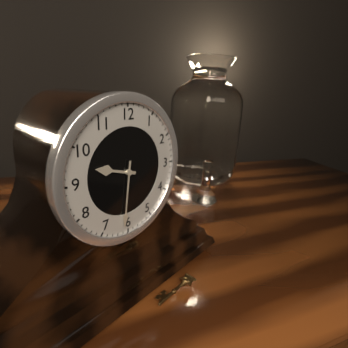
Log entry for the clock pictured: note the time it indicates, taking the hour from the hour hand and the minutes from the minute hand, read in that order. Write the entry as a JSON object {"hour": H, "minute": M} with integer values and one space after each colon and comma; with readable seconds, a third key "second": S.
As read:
{"hour": 9, "minute": 31}
